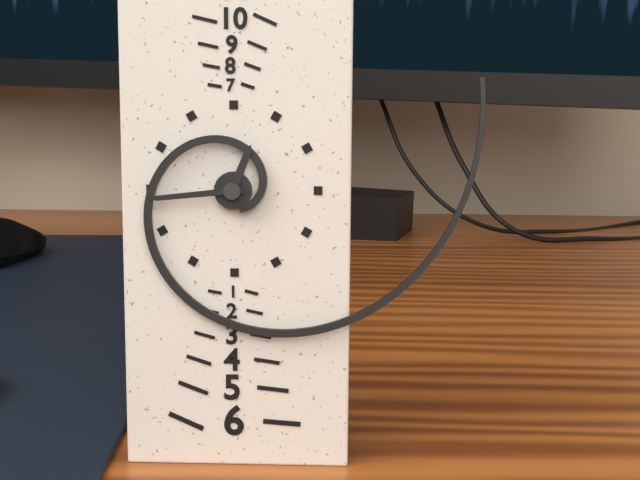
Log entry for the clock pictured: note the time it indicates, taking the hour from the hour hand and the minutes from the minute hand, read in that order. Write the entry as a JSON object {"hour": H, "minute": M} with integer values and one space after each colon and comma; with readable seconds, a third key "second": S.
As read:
{"hour": 12, "minute": 44}
